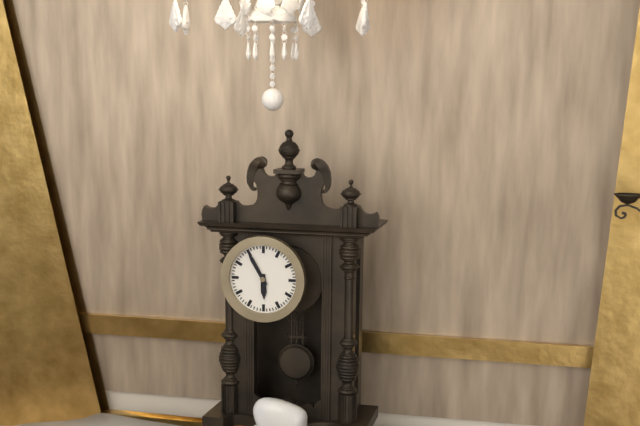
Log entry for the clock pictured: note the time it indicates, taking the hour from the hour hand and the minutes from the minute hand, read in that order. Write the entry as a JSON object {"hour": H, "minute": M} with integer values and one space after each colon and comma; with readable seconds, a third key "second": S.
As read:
{"hour": 5, "minute": 55}
